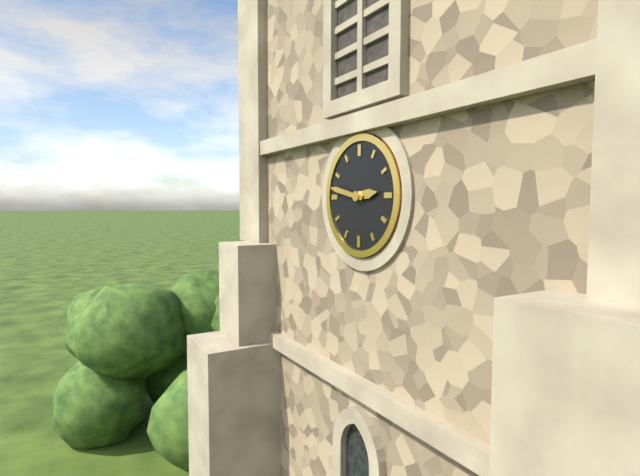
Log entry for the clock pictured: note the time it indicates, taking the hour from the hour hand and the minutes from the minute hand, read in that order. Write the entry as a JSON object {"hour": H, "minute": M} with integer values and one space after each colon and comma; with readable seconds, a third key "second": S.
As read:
{"hour": 2, "minute": 47}
